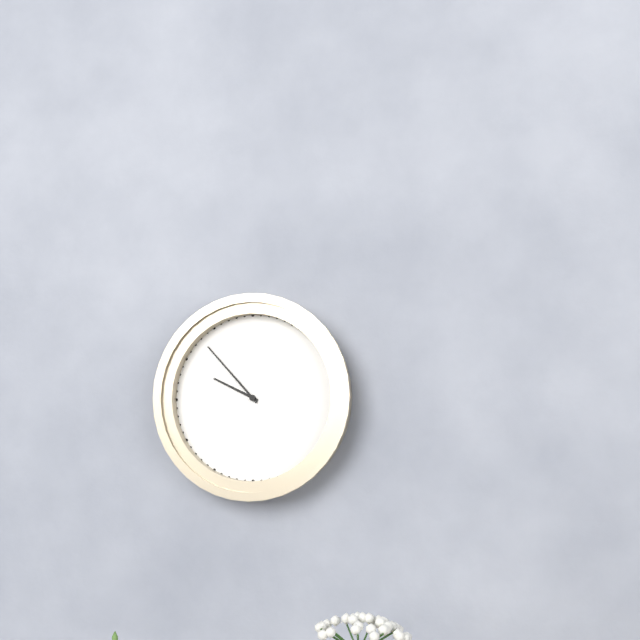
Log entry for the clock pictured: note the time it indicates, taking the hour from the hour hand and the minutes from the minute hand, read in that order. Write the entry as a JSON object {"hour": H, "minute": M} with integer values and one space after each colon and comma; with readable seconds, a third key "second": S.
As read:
{"hour": 9, "minute": 53}
